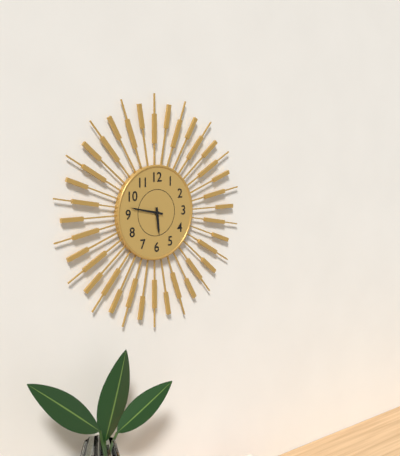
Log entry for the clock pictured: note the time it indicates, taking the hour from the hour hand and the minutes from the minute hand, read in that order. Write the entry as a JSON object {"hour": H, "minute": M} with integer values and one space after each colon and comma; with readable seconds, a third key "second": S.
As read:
{"hour": 5, "minute": 47}
